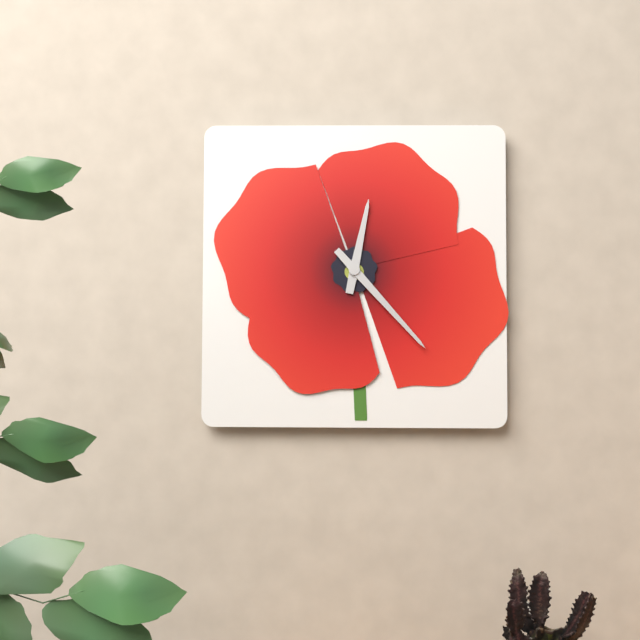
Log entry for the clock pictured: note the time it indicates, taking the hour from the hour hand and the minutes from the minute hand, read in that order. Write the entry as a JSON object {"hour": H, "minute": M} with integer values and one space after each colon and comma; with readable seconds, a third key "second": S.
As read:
{"hour": 12, "minute": 23}
